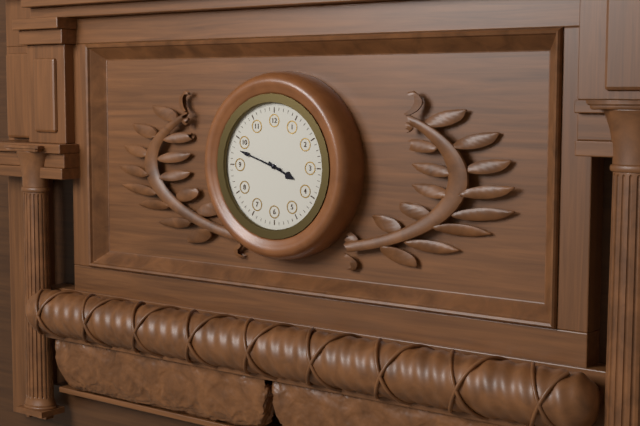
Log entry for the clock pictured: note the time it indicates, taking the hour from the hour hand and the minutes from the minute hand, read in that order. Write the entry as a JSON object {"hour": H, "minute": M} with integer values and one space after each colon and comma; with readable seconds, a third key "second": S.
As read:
{"hour": 3, "minute": 48}
